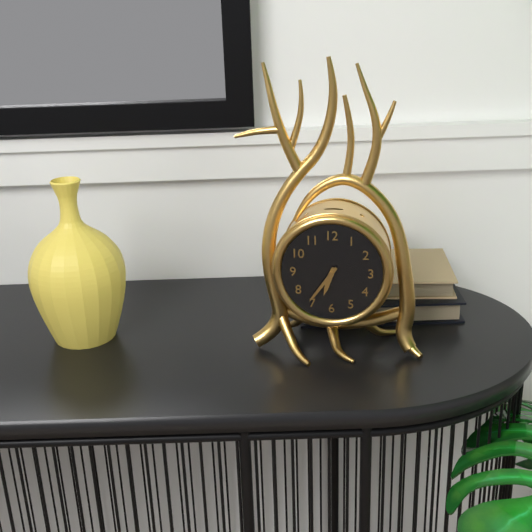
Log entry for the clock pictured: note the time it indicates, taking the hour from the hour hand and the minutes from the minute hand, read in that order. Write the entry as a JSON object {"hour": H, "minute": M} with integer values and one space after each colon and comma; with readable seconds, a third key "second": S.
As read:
{"hour": 6, "minute": 36}
